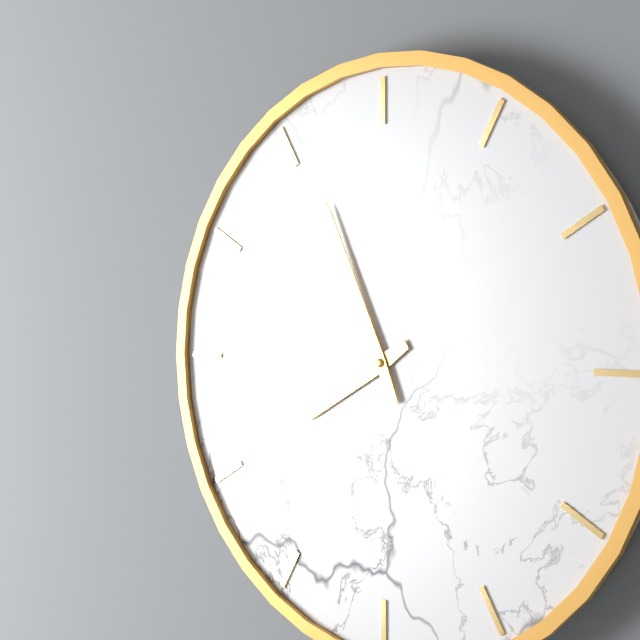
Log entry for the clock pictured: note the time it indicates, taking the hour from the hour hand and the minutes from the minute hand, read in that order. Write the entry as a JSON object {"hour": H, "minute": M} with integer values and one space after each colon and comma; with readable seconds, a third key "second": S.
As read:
{"hour": 7, "minute": 56}
